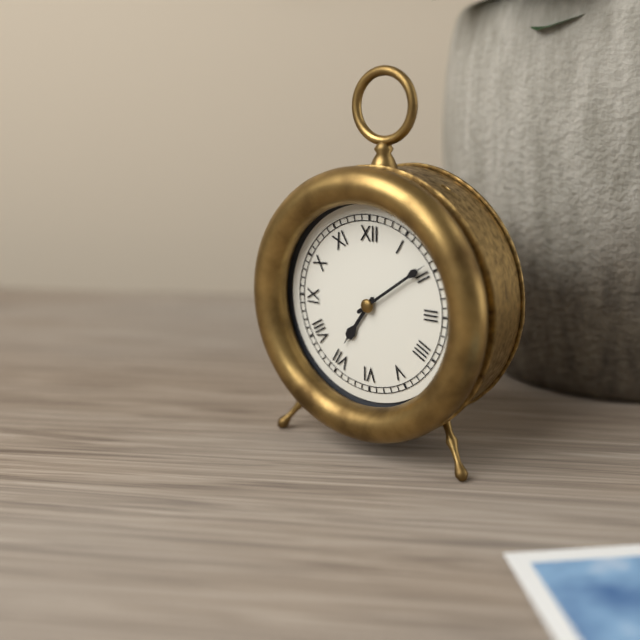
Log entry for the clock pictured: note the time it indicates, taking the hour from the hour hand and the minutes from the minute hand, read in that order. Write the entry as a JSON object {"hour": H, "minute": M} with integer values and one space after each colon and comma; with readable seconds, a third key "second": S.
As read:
{"hour": 7, "minute": 9}
